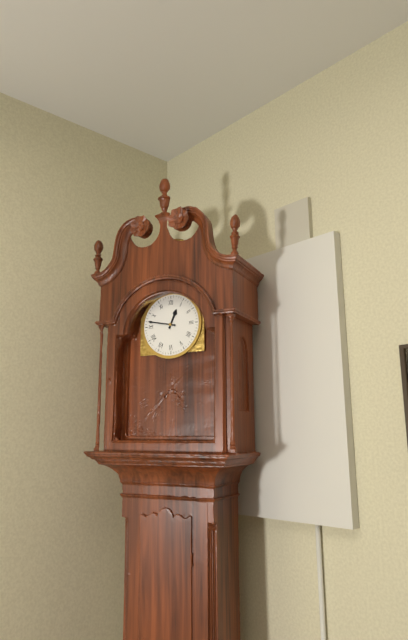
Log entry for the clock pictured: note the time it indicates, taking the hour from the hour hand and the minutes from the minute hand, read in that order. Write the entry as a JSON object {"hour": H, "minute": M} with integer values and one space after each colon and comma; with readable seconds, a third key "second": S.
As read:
{"hour": 12, "minute": 47}
